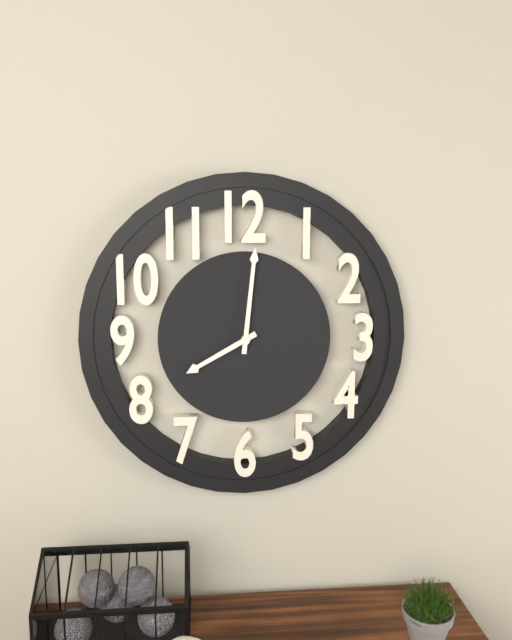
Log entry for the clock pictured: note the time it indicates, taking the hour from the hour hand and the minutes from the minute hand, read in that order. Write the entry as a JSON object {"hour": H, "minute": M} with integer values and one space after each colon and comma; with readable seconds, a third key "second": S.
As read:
{"hour": 8, "minute": 1}
